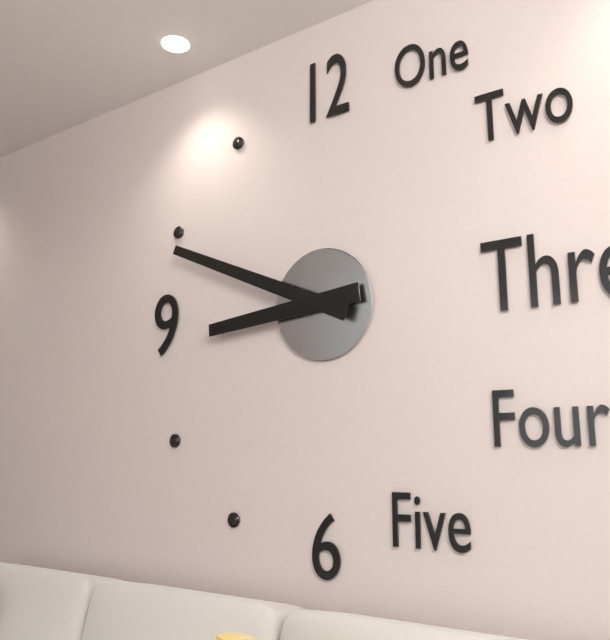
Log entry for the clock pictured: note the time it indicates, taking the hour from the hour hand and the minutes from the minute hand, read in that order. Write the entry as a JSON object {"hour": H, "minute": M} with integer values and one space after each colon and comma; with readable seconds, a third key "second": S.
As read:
{"hour": 8, "minute": 49}
